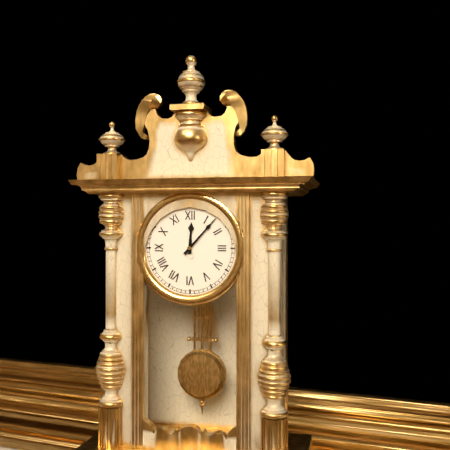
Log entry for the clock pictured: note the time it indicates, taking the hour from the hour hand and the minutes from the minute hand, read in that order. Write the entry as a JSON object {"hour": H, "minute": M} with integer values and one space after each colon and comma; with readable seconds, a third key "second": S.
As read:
{"hour": 12, "minute": 7}
